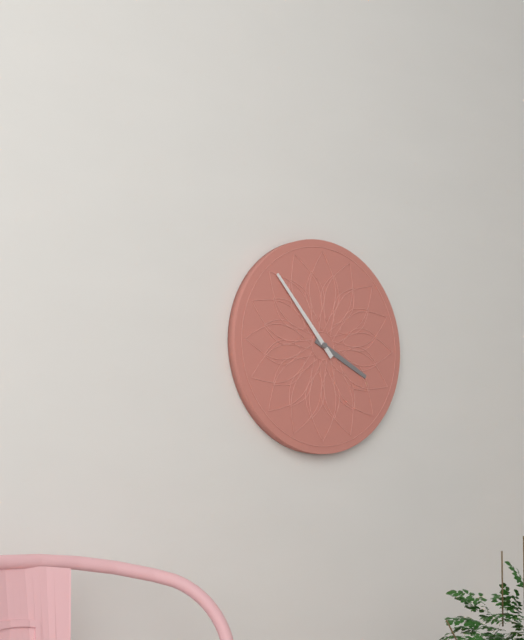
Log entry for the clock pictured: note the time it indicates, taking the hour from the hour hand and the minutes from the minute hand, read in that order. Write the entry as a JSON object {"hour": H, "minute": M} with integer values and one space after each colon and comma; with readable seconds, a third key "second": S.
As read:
{"hour": 3, "minute": 53}
